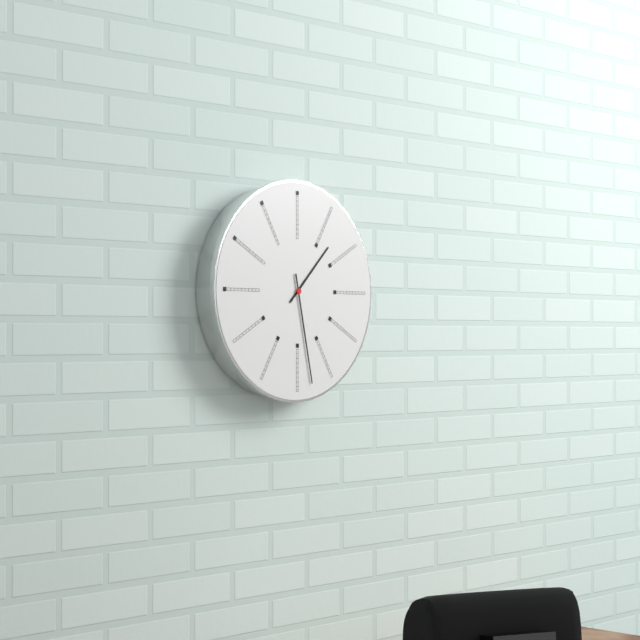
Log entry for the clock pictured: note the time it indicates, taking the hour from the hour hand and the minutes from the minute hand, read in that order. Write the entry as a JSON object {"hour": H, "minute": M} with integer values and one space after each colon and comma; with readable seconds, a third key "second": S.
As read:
{"hour": 1, "minute": 28}
